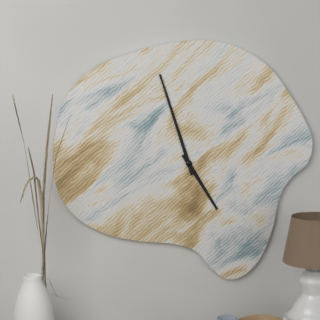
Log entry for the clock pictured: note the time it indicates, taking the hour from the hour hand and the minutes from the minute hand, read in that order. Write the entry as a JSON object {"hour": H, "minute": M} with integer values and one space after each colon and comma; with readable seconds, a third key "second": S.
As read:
{"hour": 4, "minute": 57}
